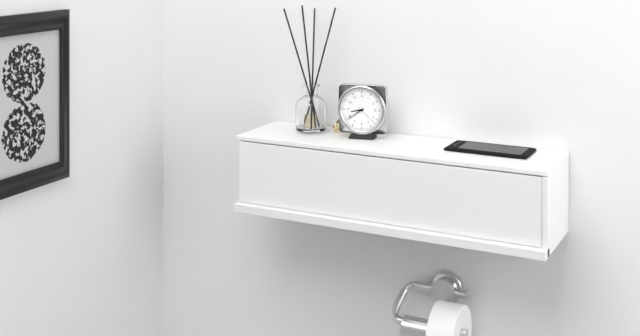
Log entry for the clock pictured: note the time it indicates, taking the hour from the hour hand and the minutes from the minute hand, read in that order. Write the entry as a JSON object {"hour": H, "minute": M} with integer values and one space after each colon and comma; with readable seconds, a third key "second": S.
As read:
{"hour": 8, "minute": 39}
